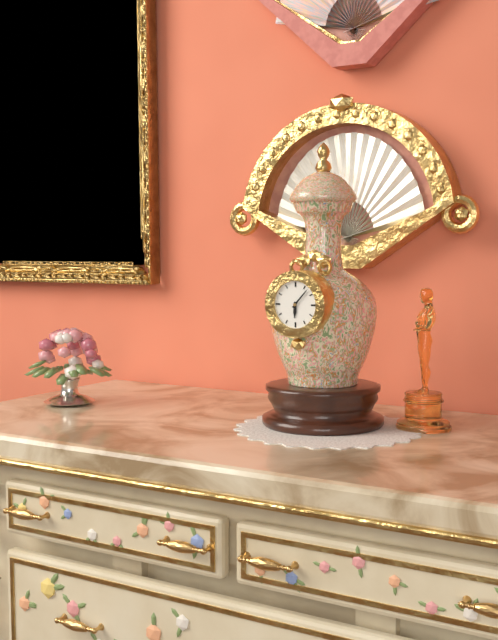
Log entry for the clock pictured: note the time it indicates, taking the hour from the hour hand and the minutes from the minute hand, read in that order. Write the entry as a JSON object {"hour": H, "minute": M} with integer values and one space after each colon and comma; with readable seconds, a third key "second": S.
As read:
{"hour": 6, "minute": 7}
